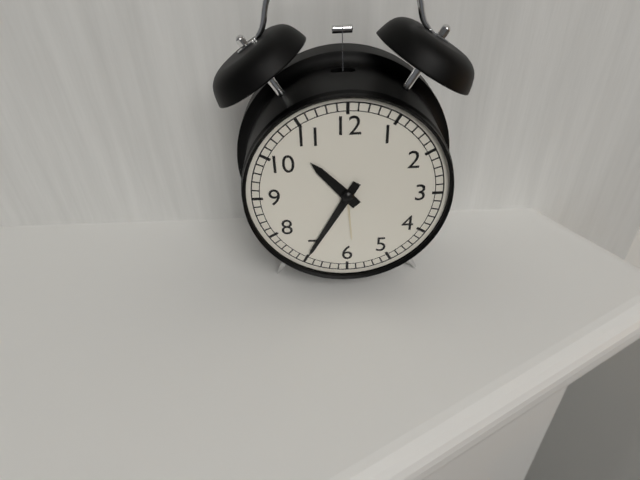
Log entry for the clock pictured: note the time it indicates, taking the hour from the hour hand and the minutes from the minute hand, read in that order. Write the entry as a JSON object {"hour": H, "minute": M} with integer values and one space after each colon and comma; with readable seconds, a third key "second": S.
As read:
{"hour": 10, "minute": 35}
